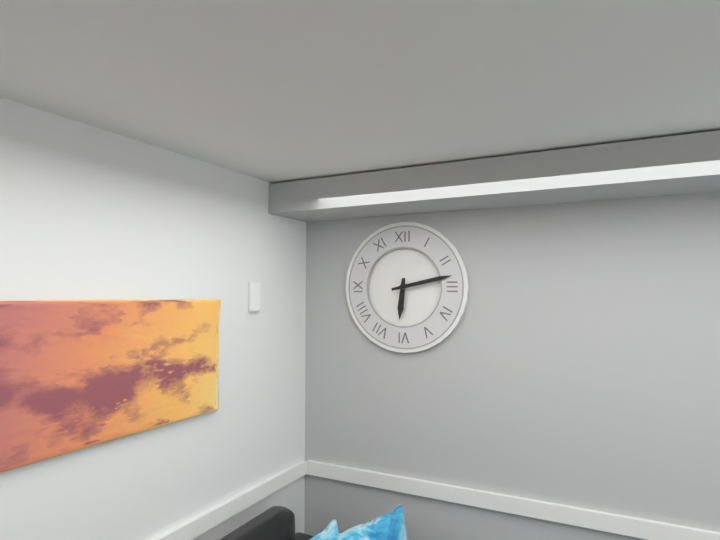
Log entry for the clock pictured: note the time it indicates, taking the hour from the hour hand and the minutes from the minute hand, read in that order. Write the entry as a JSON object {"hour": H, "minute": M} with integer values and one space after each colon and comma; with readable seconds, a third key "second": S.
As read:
{"hour": 6, "minute": 13}
